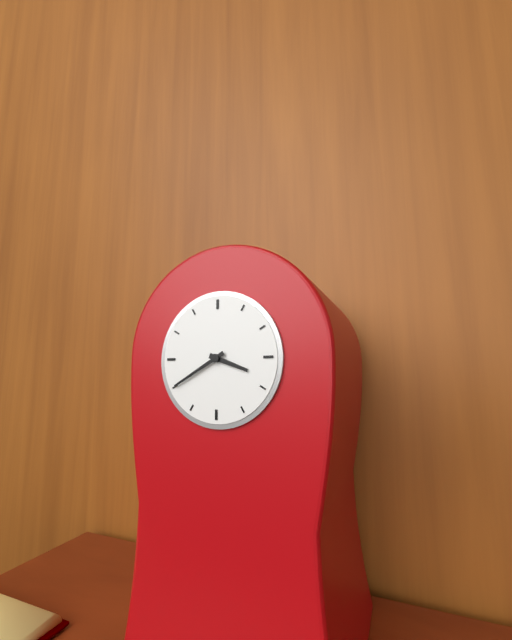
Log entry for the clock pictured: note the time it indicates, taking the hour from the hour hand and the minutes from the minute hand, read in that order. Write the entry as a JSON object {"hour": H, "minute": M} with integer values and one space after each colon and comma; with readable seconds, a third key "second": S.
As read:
{"hour": 3, "minute": 40}
